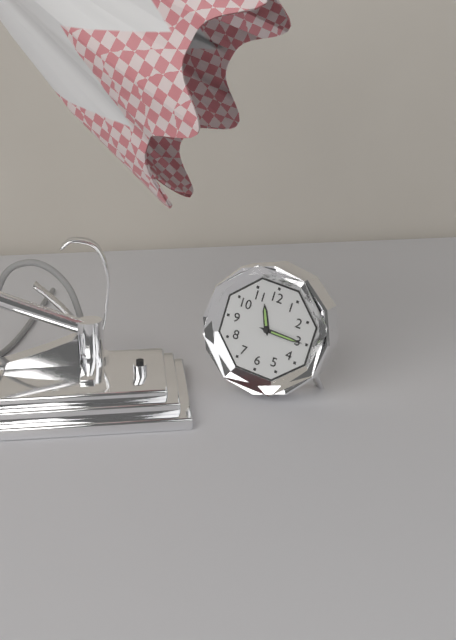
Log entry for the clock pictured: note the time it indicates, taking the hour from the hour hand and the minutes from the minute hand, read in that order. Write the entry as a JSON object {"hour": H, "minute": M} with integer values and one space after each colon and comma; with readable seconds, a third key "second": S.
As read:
{"hour": 11, "minute": 15}
